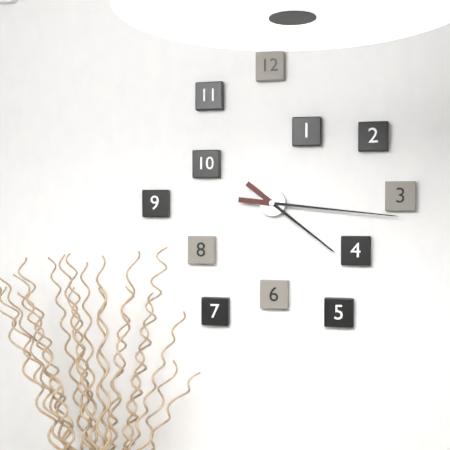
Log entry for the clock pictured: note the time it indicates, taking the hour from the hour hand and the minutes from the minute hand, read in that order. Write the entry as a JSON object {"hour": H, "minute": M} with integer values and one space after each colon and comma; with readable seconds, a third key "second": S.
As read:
{"hour": 4, "minute": 16}
